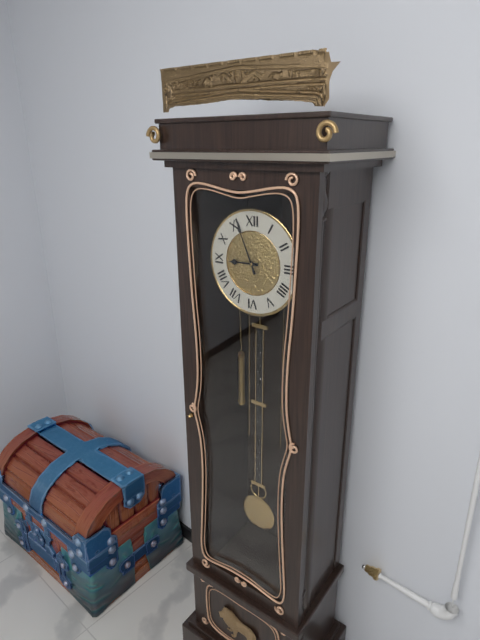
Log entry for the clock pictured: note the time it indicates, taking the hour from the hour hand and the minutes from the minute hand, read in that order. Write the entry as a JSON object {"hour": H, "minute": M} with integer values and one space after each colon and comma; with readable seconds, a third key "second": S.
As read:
{"hour": 8, "minute": 56}
